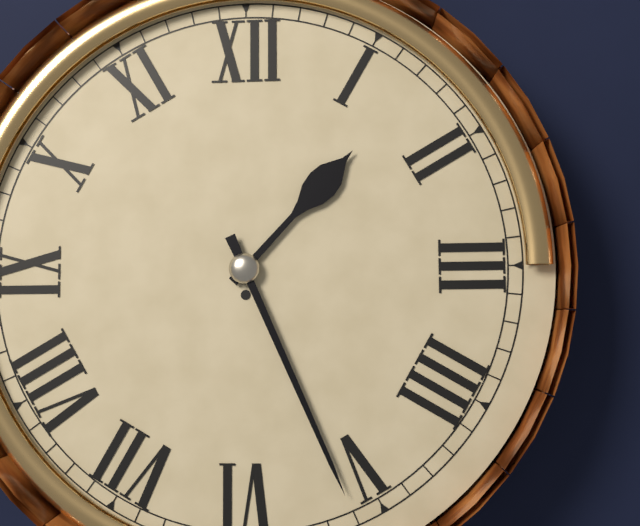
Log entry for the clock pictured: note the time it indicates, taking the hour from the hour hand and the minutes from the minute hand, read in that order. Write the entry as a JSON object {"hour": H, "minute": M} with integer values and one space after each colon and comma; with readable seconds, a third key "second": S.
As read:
{"hour": 1, "minute": 26}
